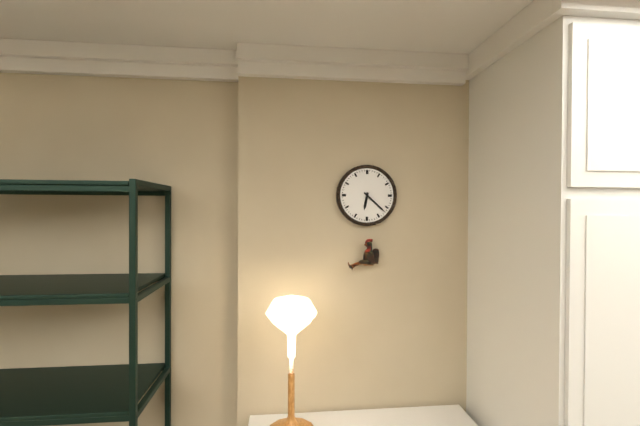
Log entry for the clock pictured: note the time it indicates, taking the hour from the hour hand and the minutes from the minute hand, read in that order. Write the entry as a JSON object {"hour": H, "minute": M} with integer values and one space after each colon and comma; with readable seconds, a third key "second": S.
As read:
{"hour": 6, "minute": 22}
